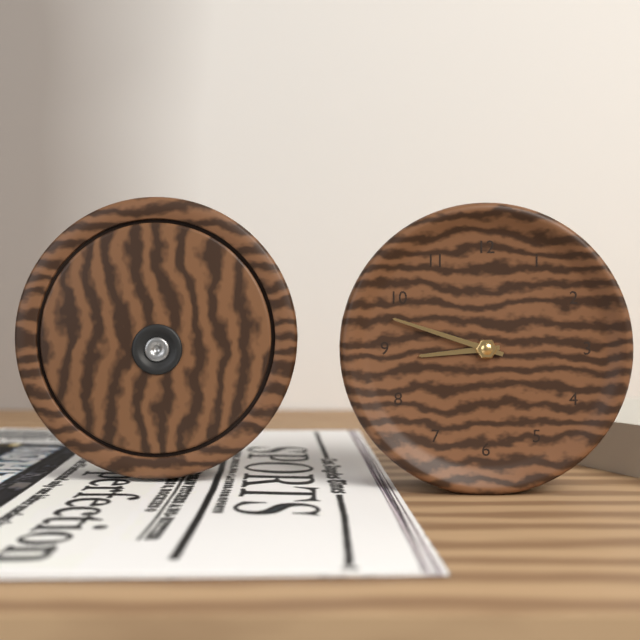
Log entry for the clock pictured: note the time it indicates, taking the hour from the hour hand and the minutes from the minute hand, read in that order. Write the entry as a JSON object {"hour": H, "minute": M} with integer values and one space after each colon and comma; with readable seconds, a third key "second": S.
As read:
{"hour": 8, "minute": 48}
